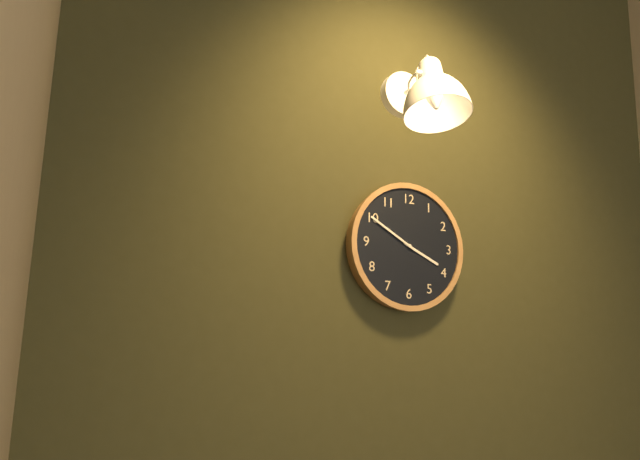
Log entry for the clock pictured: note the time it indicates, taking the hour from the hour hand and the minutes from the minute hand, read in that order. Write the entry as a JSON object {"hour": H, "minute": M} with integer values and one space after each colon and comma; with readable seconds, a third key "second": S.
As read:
{"hour": 3, "minute": 50}
